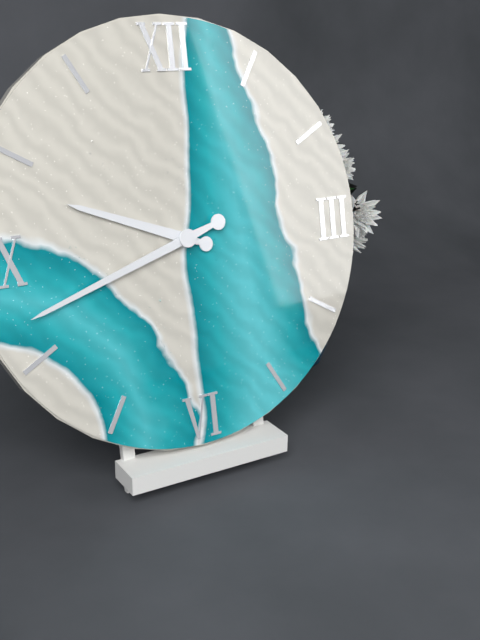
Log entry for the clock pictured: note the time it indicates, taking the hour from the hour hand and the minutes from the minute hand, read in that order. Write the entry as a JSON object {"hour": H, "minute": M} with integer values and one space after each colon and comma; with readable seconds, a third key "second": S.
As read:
{"hour": 9, "minute": 42}
